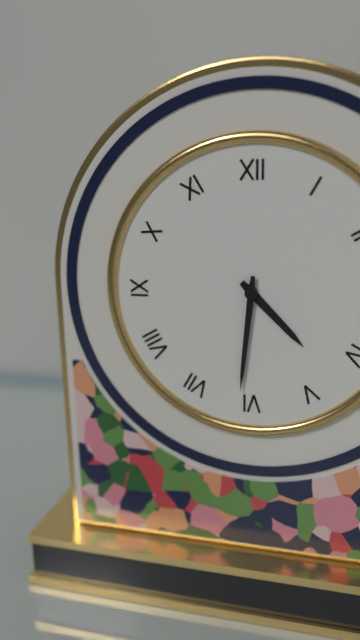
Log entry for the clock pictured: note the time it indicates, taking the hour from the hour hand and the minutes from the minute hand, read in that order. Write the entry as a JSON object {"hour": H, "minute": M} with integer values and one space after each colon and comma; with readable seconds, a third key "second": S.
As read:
{"hour": 4, "minute": 31}
